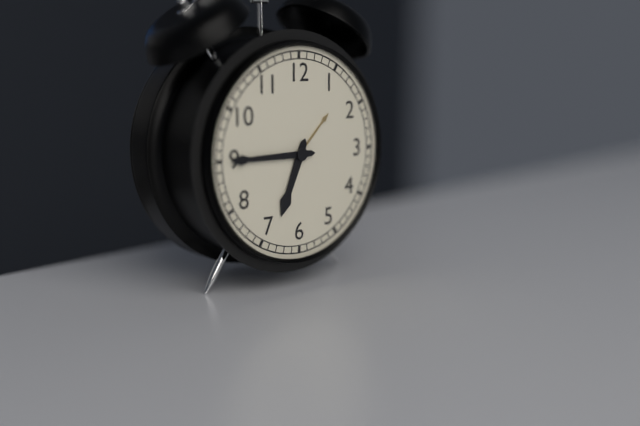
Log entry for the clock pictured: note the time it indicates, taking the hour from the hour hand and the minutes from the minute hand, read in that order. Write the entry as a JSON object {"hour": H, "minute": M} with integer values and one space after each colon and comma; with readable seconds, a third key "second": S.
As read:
{"hour": 6, "minute": 45}
